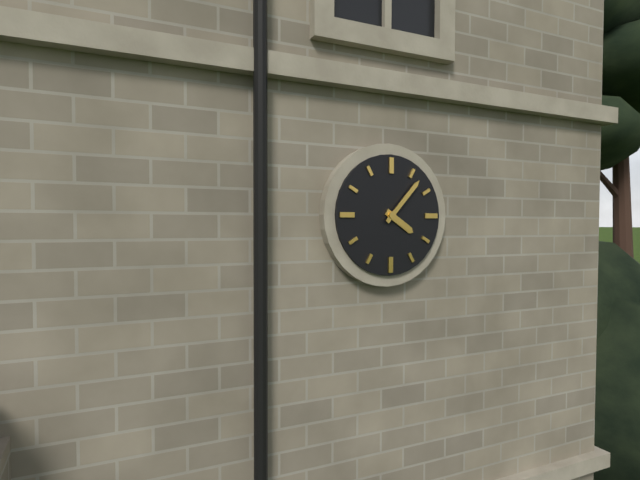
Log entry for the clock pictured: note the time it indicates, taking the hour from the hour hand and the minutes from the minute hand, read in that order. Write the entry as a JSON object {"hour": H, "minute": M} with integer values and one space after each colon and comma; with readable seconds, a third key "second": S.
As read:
{"hour": 4, "minute": 7}
